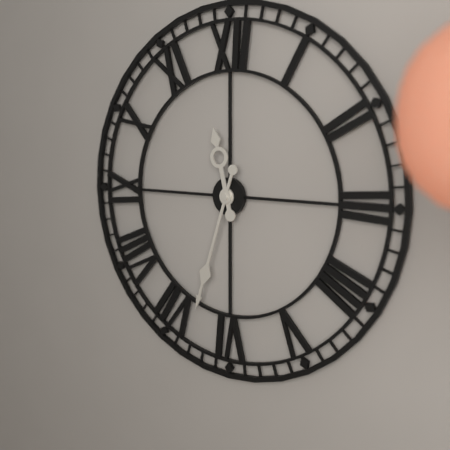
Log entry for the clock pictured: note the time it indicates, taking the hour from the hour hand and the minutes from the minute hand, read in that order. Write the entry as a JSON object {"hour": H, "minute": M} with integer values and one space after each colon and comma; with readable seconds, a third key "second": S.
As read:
{"hour": 11, "minute": 33}
